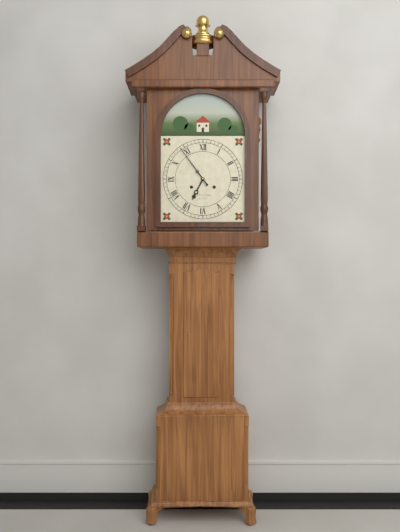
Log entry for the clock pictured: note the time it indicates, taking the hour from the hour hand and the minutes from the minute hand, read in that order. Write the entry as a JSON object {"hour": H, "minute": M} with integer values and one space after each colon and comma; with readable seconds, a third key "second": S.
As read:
{"hour": 6, "minute": 54}
